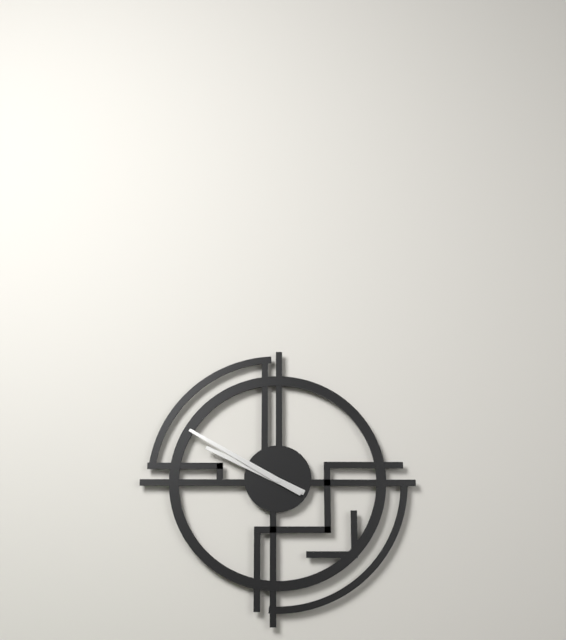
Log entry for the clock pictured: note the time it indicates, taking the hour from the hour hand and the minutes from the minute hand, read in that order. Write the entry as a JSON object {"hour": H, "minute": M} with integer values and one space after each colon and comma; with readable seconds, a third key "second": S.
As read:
{"hour": 9, "minute": 50}
